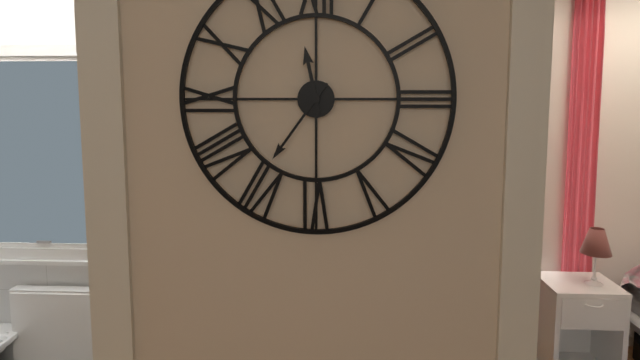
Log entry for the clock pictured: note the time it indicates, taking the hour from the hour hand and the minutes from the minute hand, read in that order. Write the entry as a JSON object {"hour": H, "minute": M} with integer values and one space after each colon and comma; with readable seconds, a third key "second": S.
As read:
{"hour": 11, "minute": 36}
